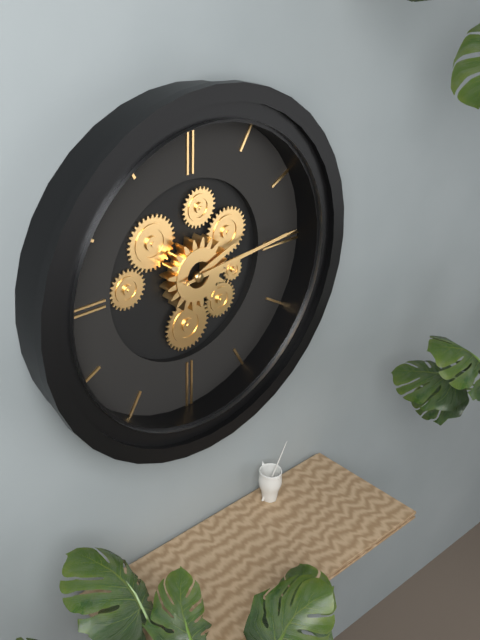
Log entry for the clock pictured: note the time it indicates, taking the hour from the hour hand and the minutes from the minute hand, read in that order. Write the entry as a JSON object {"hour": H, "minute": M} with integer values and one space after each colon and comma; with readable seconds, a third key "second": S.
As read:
{"hour": 2, "minute": 14}
